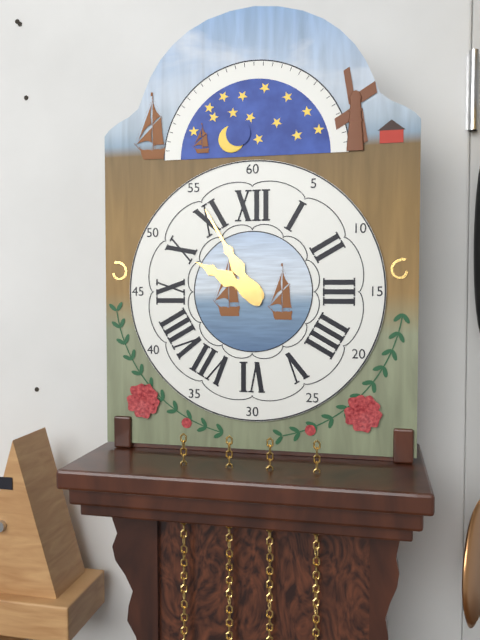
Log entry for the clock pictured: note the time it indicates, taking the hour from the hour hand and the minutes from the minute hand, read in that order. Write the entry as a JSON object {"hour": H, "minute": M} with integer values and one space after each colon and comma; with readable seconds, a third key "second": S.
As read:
{"hour": 9, "minute": 55}
